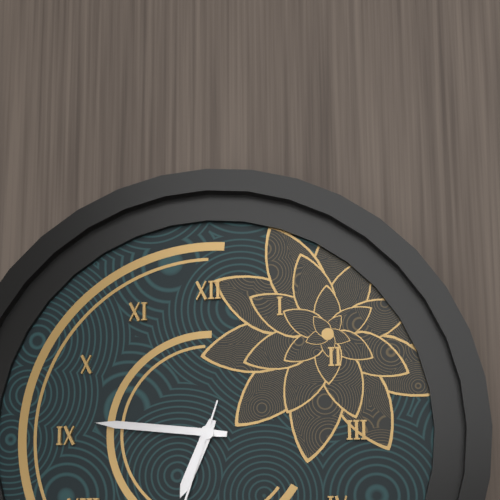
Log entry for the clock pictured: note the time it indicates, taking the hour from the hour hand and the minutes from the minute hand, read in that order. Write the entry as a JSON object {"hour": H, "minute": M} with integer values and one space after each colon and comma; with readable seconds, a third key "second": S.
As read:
{"hour": 6, "minute": 46}
